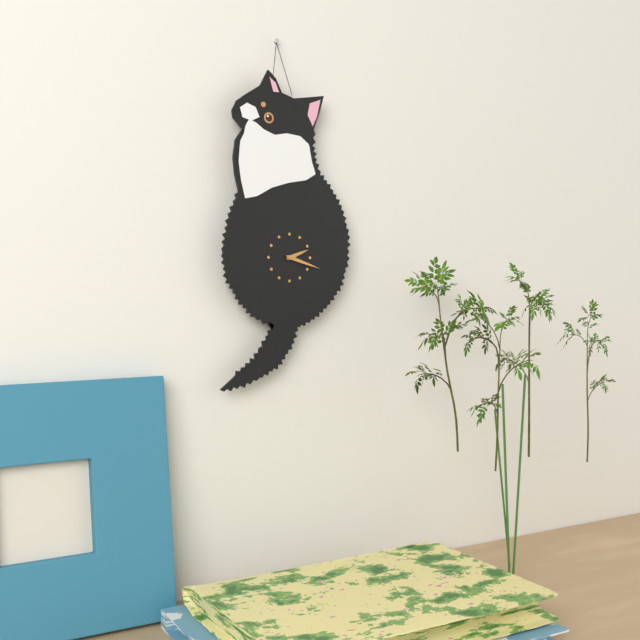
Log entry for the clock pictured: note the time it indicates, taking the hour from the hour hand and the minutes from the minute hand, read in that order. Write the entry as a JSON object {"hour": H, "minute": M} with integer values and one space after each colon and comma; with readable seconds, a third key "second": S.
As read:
{"hour": 2, "minute": 18}
